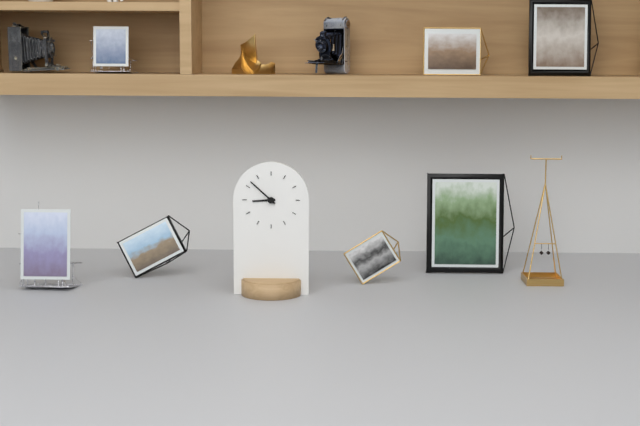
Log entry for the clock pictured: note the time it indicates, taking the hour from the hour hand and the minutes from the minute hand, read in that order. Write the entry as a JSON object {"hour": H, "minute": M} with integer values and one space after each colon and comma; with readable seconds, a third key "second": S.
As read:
{"hour": 8, "minute": 52}
